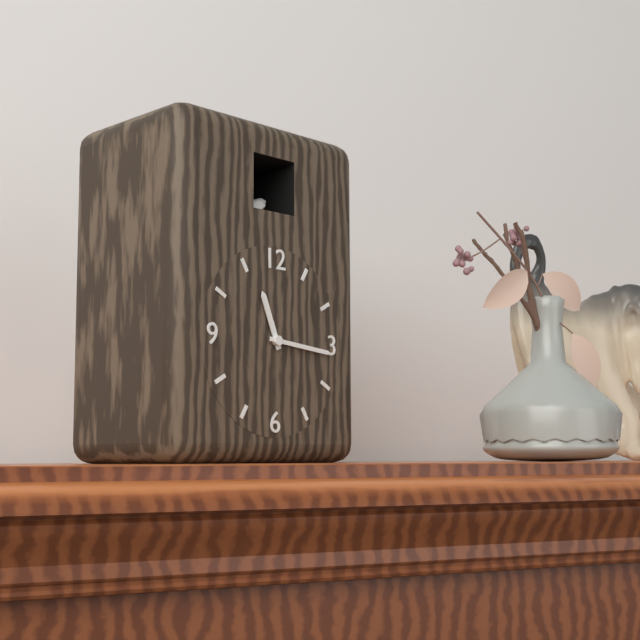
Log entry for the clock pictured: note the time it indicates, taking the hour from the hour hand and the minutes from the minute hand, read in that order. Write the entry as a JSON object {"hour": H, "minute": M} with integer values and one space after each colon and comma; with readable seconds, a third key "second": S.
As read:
{"hour": 11, "minute": 16}
